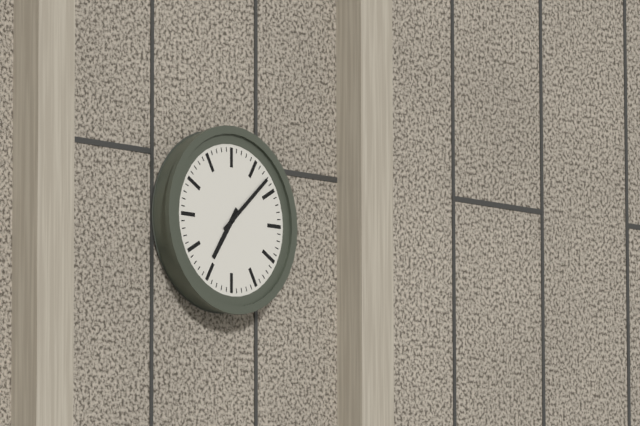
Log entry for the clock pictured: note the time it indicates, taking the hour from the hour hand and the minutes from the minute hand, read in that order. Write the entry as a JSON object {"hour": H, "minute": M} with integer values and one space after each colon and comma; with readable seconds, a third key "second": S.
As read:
{"hour": 7, "minute": 8}
